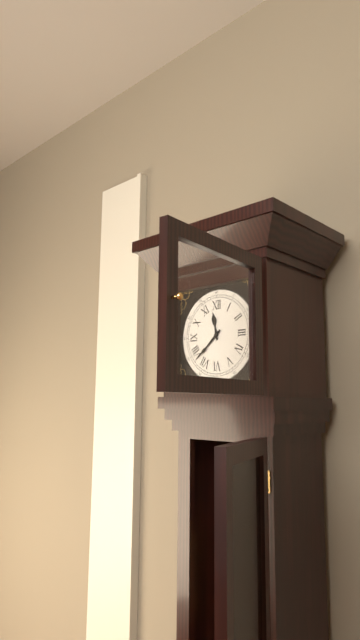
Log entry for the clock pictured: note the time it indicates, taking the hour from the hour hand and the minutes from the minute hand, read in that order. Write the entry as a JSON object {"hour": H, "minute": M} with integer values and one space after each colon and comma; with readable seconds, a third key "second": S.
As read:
{"hour": 11, "minute": 38}
